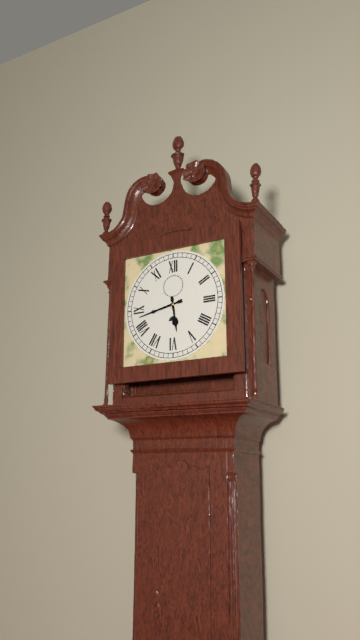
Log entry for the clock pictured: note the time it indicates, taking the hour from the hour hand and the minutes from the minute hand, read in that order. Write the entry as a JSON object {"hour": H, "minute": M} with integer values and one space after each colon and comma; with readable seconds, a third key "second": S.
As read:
{"hour": 5, "minute": 43}
